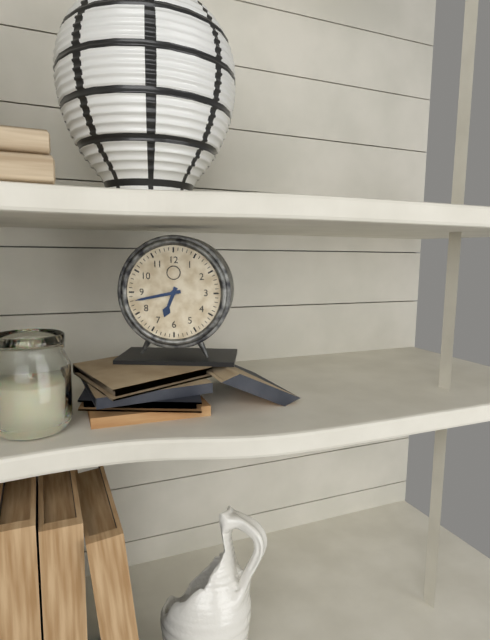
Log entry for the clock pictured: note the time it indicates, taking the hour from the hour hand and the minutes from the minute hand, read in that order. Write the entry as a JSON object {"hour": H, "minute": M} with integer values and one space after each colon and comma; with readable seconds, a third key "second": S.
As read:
{"hour": 6, "minute": 43}
